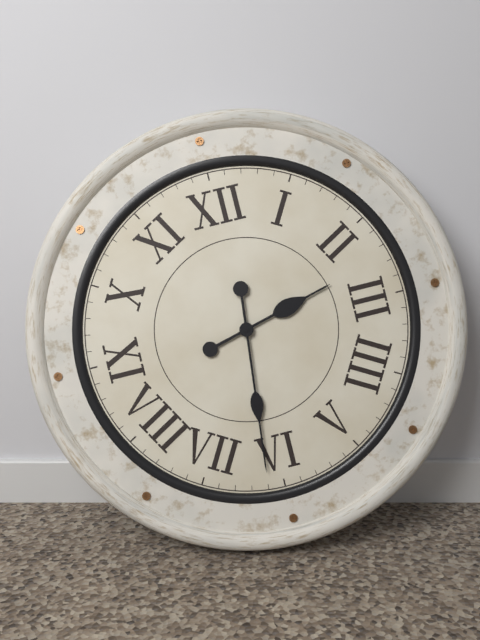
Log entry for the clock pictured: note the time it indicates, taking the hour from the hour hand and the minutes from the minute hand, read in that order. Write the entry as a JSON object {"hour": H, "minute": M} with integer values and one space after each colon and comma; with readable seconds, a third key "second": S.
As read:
{"hour": 2, "minute": 31}
